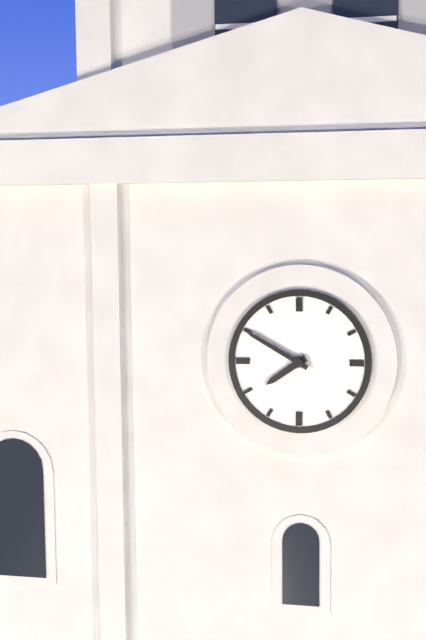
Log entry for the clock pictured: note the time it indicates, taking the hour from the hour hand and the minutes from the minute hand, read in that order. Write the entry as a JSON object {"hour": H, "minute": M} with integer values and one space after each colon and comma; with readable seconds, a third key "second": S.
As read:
{"hour": 7, "minute": 50}
